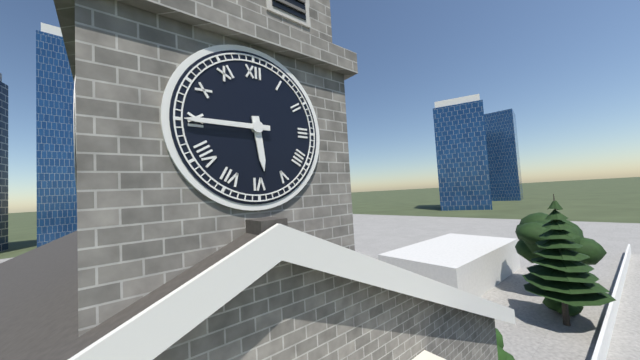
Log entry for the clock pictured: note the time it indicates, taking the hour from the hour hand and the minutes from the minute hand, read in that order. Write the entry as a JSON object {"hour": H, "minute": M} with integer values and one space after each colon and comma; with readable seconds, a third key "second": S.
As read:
{"hour": 5, "minute": 45}
